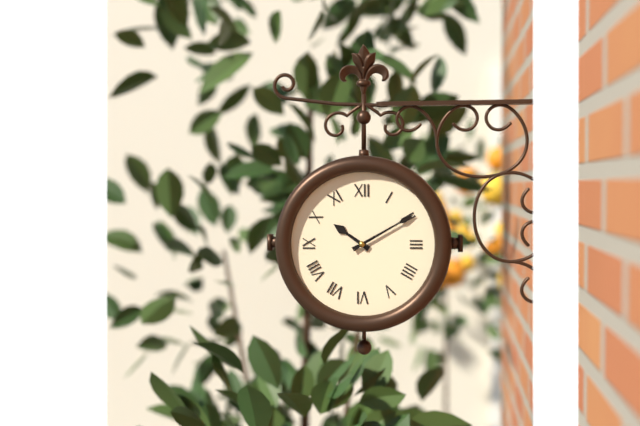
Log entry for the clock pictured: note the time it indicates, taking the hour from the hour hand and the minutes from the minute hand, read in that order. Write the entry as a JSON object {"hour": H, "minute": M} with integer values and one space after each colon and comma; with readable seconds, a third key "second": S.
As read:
{"hour": 10, "minute": 10}
